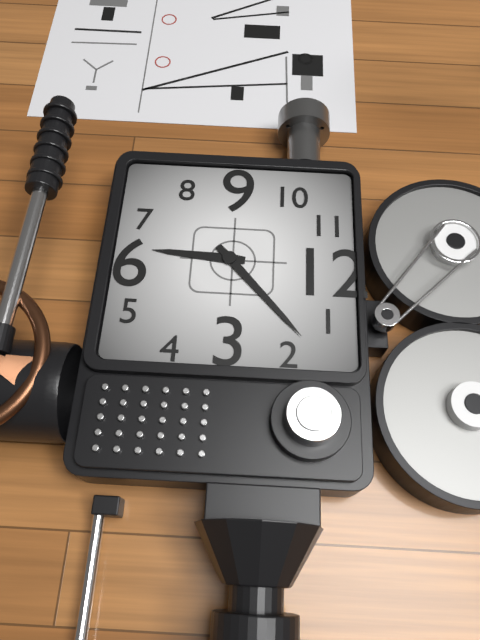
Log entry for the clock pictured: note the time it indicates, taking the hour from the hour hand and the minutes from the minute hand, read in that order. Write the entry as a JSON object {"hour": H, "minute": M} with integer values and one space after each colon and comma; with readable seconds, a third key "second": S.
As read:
{"hour": 6, "minute": 8}
